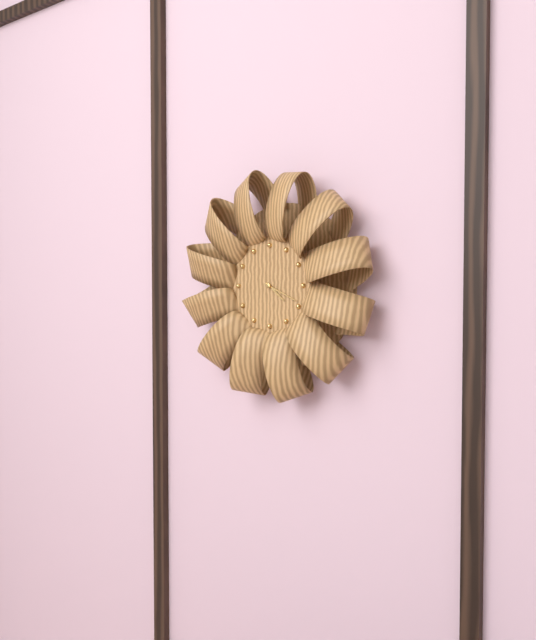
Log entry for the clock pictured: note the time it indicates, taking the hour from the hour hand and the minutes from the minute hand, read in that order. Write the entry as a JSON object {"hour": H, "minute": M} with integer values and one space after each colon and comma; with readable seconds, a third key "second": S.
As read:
{"hour": 4, "minute": 19}
